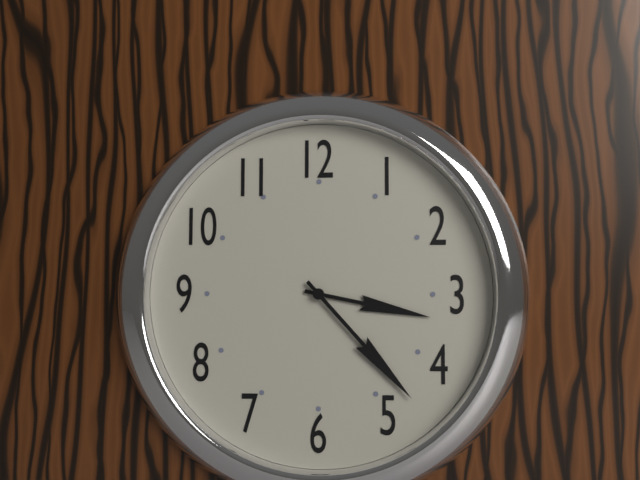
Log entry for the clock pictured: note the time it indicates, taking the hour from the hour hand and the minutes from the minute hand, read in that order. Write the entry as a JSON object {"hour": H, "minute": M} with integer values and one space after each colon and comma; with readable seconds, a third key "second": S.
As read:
{"hour": 3, "minute": 23}
